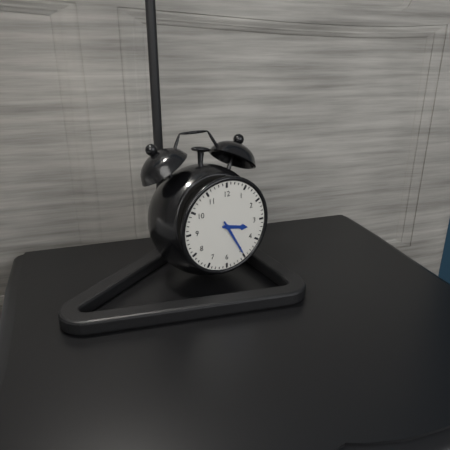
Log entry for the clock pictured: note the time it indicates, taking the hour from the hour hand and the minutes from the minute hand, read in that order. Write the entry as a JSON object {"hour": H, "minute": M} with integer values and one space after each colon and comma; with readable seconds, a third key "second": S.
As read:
{"hour": 3, "minute": 25}
